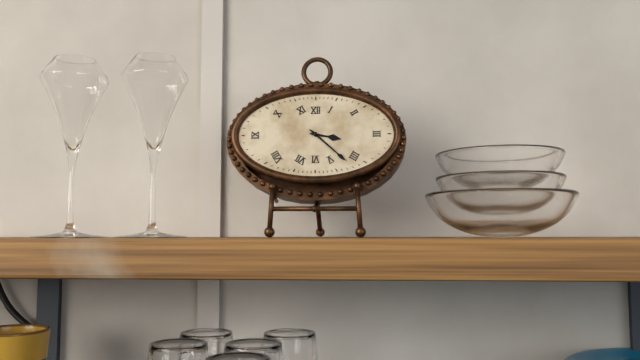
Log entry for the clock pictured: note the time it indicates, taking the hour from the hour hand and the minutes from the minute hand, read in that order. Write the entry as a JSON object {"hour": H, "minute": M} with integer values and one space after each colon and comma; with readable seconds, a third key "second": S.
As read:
{"hour": 3, "minute": 22}
